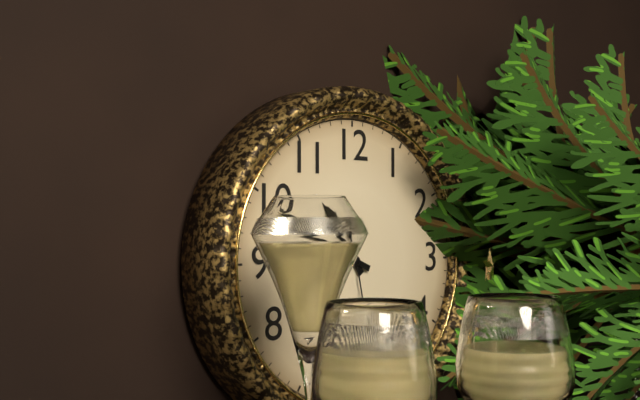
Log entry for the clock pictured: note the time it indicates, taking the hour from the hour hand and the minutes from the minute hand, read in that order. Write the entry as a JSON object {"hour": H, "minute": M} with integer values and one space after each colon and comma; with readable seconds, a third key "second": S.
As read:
{"hour": 10, "minute": 49}
